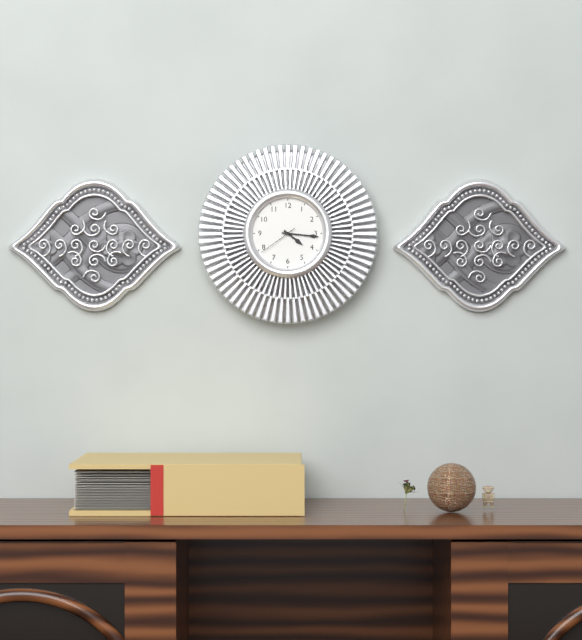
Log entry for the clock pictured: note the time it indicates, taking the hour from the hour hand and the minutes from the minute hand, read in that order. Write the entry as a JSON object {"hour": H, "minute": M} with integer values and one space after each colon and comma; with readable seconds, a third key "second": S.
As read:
{"hour": 4, "minute": 16}
